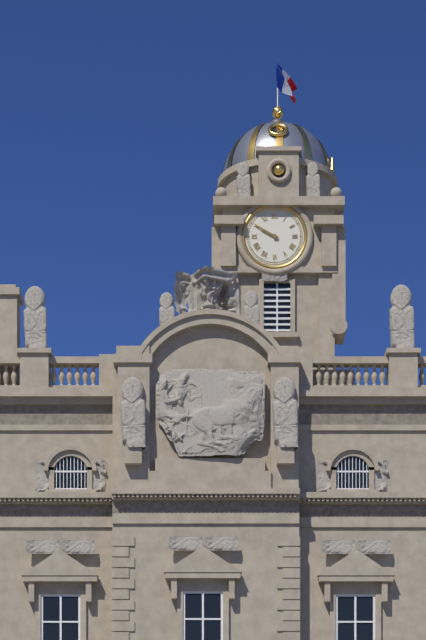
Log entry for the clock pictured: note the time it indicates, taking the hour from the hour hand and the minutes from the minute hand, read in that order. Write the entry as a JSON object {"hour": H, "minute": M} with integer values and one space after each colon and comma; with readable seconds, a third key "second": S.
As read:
{"hour": 9, "minute": 50}
